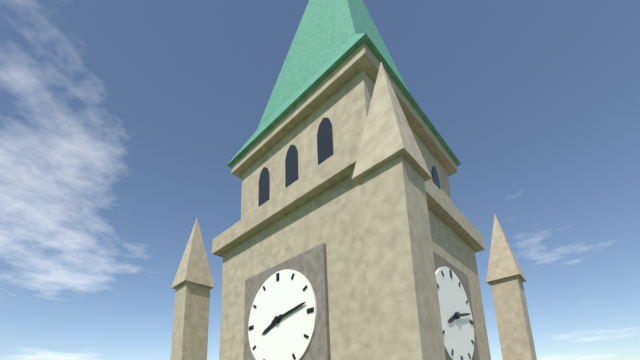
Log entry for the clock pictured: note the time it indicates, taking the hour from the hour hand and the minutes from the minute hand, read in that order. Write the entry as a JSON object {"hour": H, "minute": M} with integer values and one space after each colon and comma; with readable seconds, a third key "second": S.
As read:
{"hour": 8, "minute": 13}
